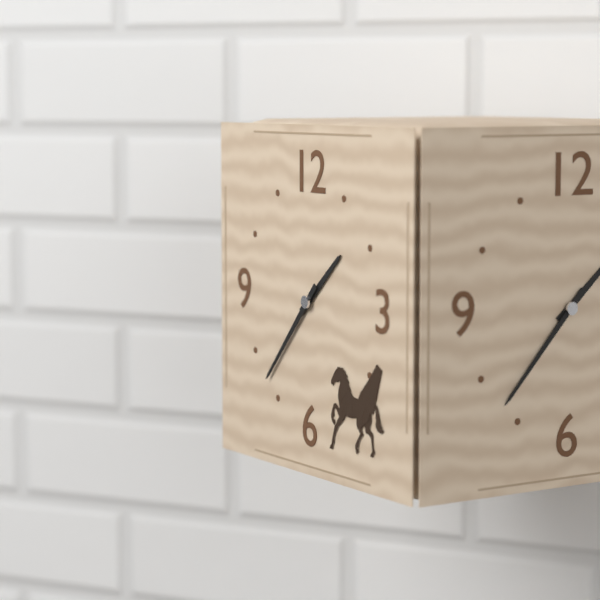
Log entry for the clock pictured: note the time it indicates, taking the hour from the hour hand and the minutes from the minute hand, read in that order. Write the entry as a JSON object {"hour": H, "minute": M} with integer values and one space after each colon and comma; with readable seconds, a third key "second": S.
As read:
{"hour": 1, "minute": 37}
